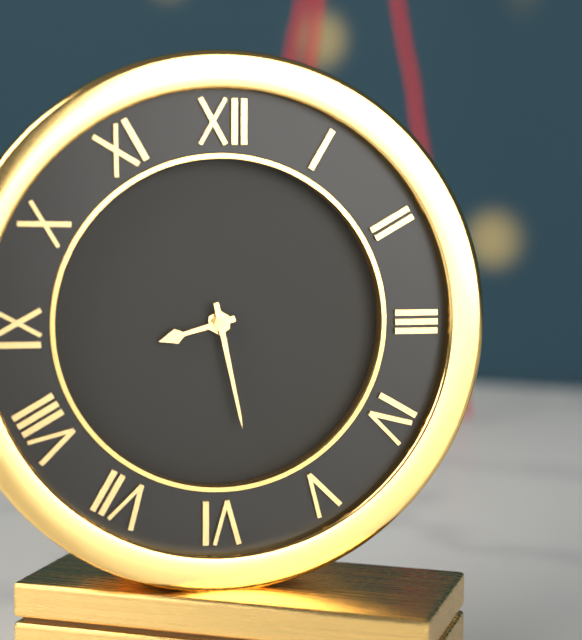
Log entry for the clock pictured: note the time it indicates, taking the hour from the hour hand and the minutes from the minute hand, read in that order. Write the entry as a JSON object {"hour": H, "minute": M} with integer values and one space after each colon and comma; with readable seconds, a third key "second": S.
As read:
{"hour": 8, "minute": 28}
